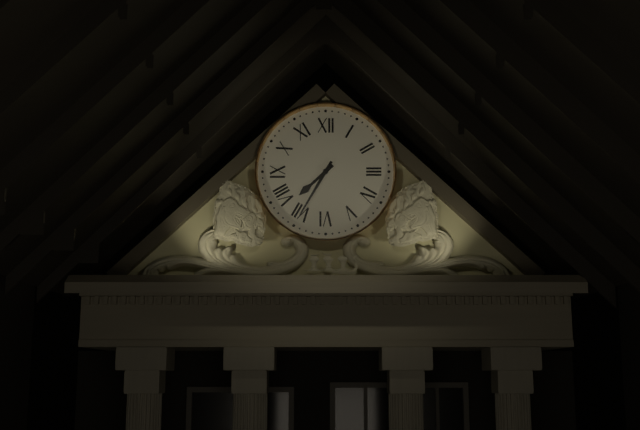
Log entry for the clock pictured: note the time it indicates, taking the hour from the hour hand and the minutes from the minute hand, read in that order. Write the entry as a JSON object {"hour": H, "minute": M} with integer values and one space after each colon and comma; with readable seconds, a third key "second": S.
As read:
{"hour": 7, "minute": 35}
